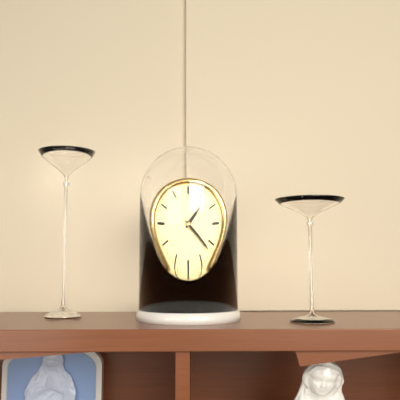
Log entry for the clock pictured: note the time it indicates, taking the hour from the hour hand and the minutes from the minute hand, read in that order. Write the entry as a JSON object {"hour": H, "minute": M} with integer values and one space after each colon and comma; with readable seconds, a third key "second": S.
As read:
{"hour": 1, "minute": 22}
